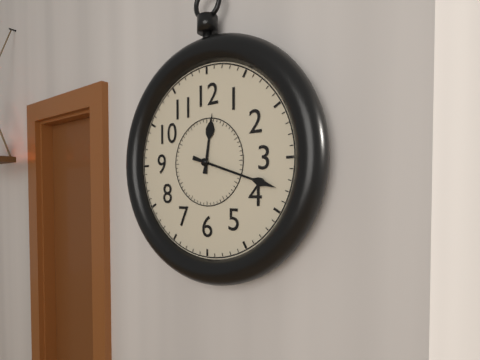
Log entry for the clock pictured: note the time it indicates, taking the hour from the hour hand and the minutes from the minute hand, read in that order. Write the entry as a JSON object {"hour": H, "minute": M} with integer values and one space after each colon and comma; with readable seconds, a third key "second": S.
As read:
{"hour": 12, "minute": 18}
